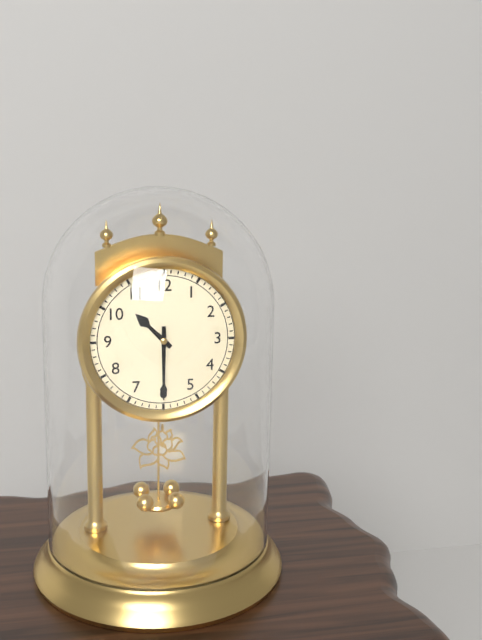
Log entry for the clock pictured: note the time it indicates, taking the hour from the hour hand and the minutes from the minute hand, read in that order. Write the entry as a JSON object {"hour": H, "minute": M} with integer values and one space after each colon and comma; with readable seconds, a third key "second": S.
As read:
{"hour": 10, "minute": 30}
